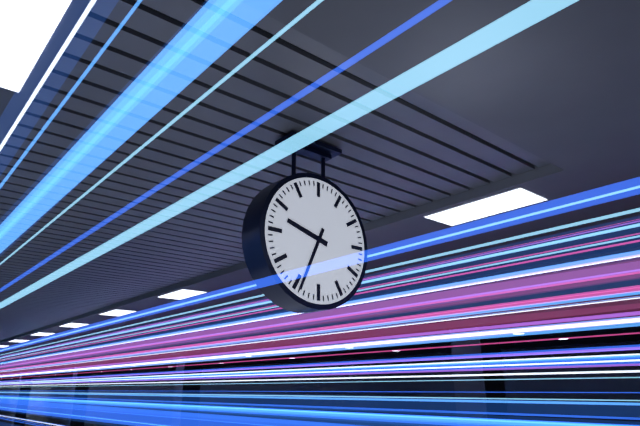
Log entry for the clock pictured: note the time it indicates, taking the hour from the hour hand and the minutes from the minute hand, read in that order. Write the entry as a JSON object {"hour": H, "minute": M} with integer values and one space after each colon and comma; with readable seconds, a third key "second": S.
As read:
{"hour": 9, "minute": 34}
